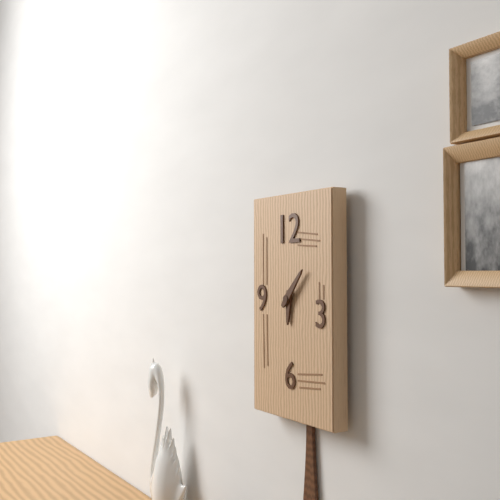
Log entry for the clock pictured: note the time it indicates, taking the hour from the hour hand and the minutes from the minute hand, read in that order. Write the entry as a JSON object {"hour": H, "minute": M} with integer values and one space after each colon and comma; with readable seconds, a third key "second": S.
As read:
{"hour": 6, "minute": 7}
